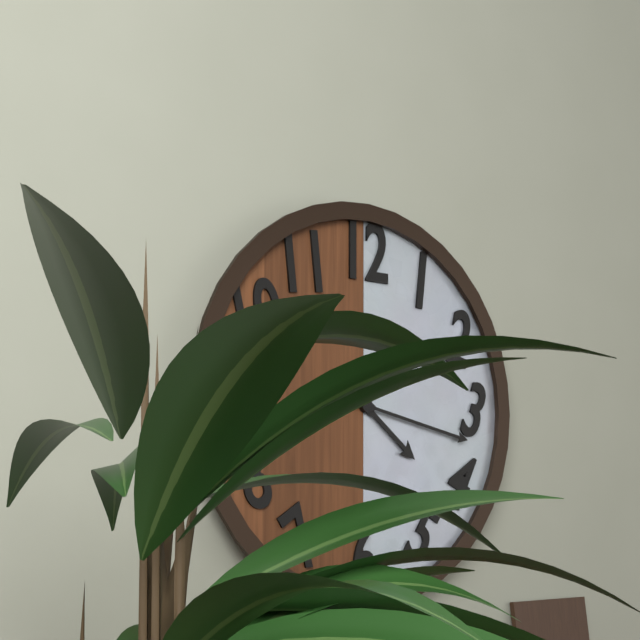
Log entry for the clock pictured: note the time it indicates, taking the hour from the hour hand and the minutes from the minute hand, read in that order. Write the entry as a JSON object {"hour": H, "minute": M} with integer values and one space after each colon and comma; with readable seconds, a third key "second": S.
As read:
{"hour": 4, "minute": 17}
